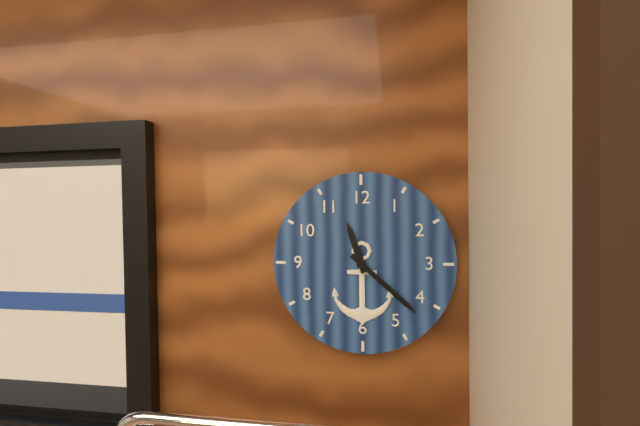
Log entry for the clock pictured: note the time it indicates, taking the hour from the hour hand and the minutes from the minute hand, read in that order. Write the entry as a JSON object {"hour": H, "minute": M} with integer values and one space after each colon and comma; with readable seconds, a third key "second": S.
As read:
{"hour": 11, "minute": 22}
